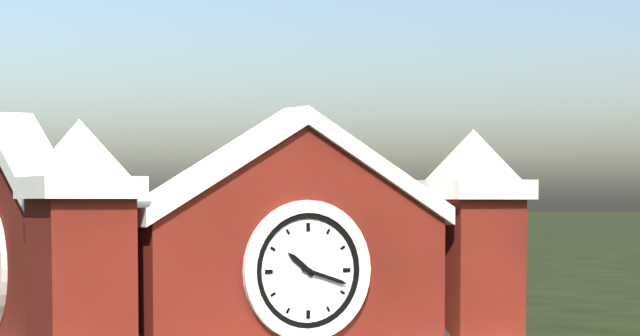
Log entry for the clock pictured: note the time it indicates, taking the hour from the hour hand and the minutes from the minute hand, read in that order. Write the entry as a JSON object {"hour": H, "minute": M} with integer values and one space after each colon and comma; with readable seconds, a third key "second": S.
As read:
{"hour": 10, "minute": 18}
